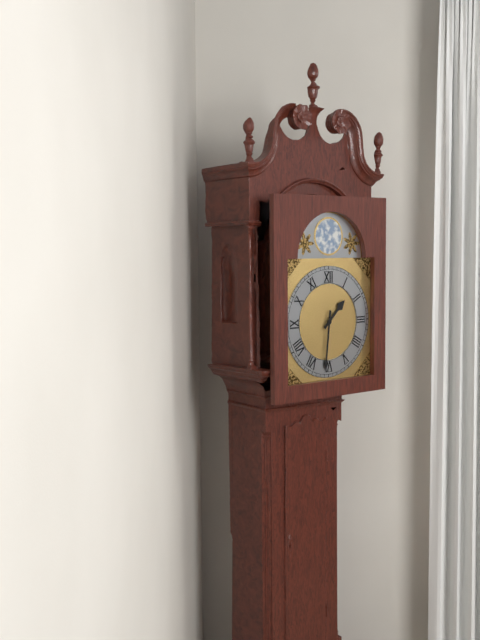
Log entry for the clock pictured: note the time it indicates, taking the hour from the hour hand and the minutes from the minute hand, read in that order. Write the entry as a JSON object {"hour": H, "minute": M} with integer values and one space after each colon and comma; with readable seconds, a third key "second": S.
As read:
{"hour": 1, "minute": 31}
